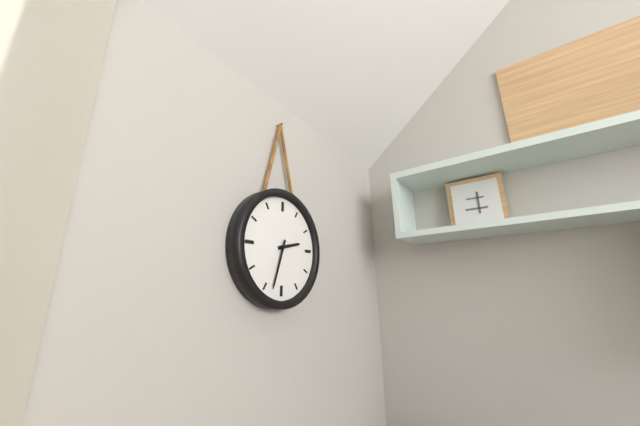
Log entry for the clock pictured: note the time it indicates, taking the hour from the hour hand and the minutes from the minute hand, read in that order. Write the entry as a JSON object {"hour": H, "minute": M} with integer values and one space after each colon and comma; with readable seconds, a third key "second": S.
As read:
{"hour": 2, "minute": 33}
